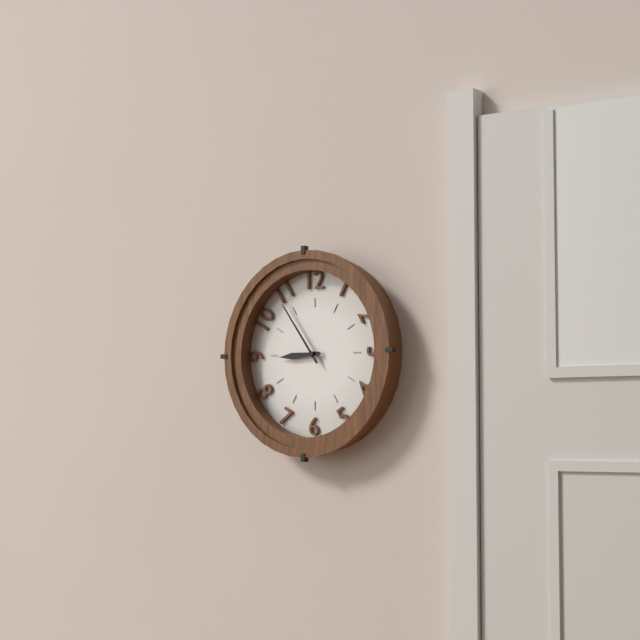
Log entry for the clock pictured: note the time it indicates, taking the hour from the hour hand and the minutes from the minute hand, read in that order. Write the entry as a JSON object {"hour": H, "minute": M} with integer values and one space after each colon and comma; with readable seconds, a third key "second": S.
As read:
{"hour": 8, "minute": 54}
